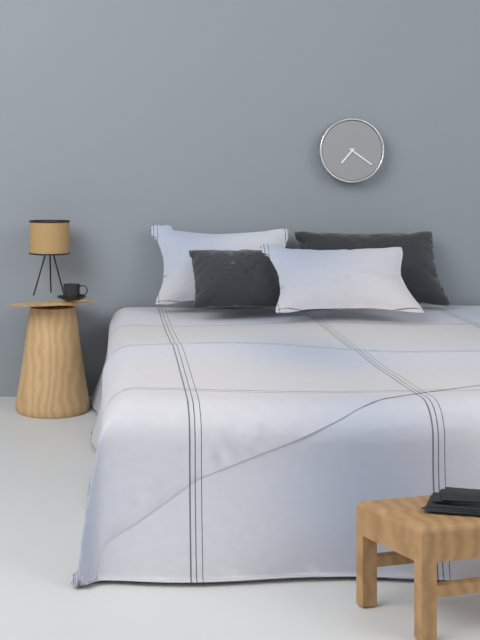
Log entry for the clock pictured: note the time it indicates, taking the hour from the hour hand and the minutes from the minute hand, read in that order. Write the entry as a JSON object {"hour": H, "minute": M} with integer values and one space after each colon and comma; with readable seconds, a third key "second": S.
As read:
{"hour": 7, "minute": 21}
